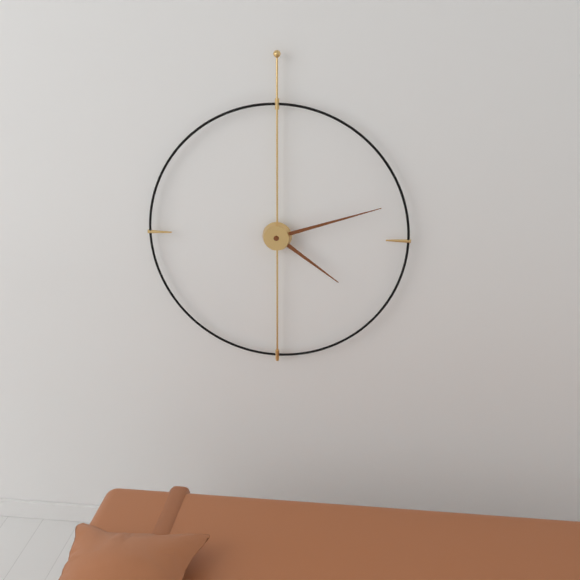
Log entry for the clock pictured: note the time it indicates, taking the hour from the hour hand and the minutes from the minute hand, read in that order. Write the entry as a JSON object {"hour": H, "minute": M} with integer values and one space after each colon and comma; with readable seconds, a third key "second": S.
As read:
{"hour": 4, "minute": 12}
